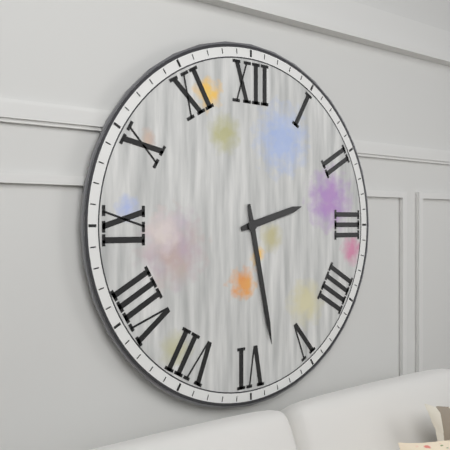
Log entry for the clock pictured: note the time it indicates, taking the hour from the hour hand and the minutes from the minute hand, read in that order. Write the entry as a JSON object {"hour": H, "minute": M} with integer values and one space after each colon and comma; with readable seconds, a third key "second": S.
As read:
{"hour": 2, "minute": 28}
